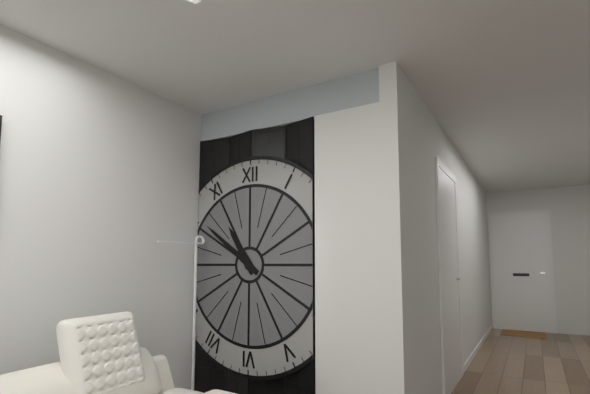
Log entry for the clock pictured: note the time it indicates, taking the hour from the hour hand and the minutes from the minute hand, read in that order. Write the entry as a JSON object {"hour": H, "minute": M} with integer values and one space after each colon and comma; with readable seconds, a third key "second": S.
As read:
{"hour": 10, "minute": 51}
